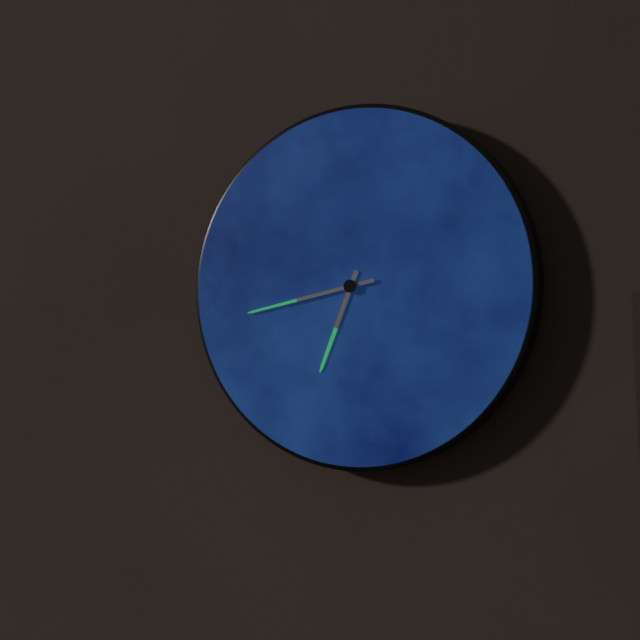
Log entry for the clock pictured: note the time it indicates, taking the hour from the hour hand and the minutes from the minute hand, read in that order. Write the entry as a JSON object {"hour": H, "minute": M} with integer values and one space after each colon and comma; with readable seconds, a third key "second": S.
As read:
{"hour": 6, "minute": 43}
